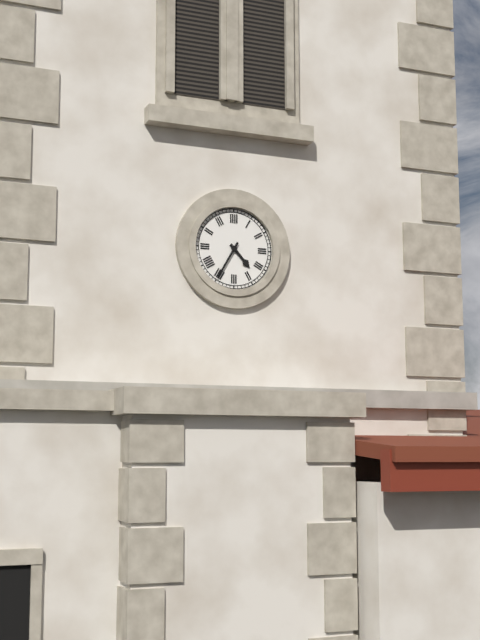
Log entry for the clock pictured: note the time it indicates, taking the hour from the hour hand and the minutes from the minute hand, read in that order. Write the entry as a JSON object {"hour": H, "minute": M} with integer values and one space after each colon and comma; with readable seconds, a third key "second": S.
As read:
{"hour": 4, "minute": 35}
